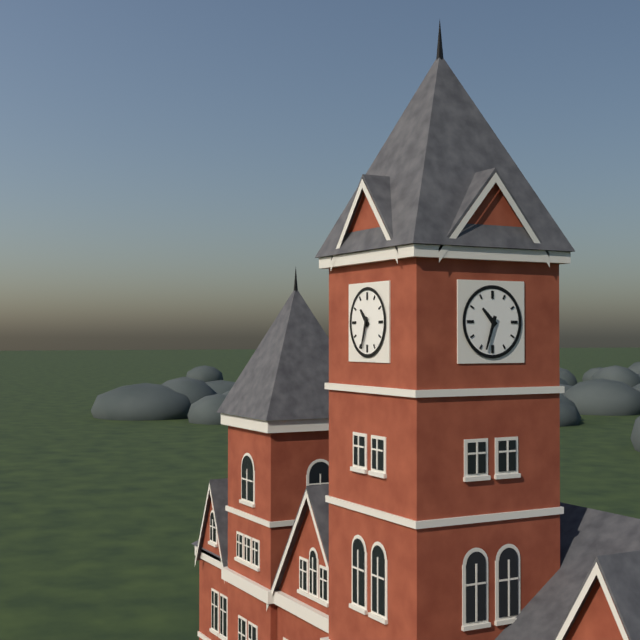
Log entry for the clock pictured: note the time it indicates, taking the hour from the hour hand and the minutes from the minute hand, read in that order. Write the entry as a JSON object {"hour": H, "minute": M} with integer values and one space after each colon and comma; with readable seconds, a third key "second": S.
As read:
{"hour": 10, "minute": 33}
